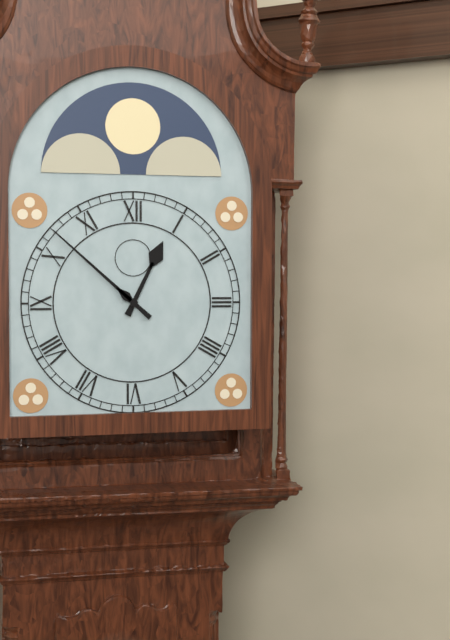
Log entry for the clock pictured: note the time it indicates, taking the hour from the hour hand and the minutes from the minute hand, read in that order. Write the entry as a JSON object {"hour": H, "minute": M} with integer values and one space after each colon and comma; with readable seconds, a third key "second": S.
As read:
{"hour": 12, "minute": 52}
